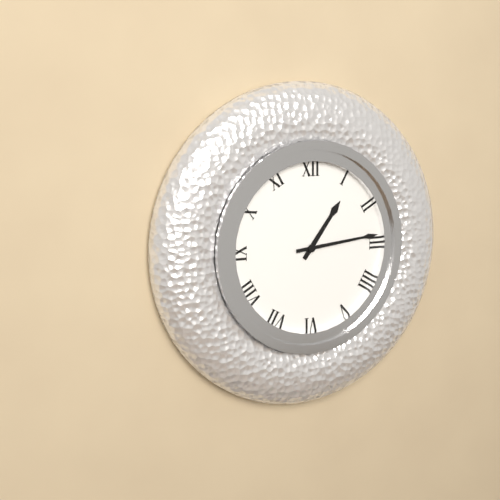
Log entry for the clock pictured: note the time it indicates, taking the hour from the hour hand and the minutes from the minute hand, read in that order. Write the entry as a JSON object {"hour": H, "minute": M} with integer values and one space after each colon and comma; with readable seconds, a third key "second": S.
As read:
{"hour": 1, "minute": 14}
